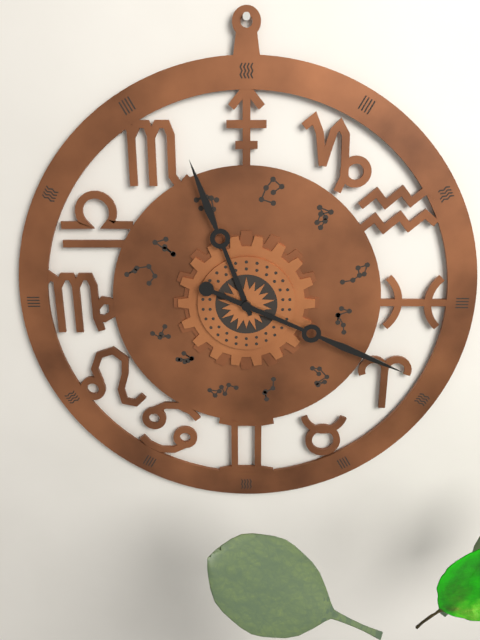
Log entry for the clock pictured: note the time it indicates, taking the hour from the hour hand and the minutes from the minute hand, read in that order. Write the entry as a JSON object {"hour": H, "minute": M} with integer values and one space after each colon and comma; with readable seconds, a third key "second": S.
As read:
{"hour": 11, "minute": 19}
